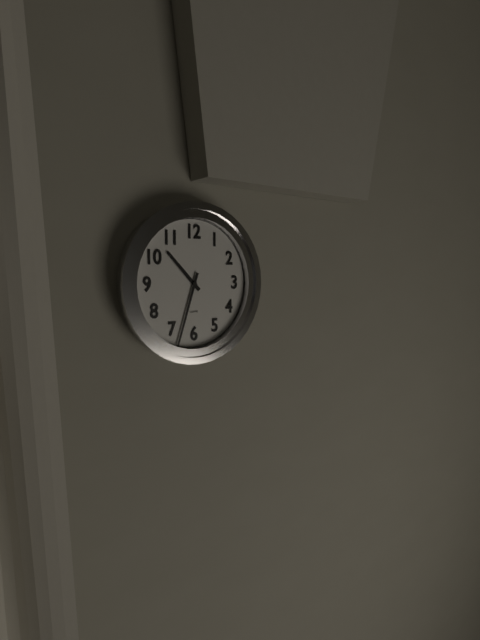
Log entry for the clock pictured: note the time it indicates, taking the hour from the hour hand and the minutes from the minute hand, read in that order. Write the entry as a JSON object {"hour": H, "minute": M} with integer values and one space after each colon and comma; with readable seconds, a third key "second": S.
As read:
{"hour": 10, "minute": 33}
